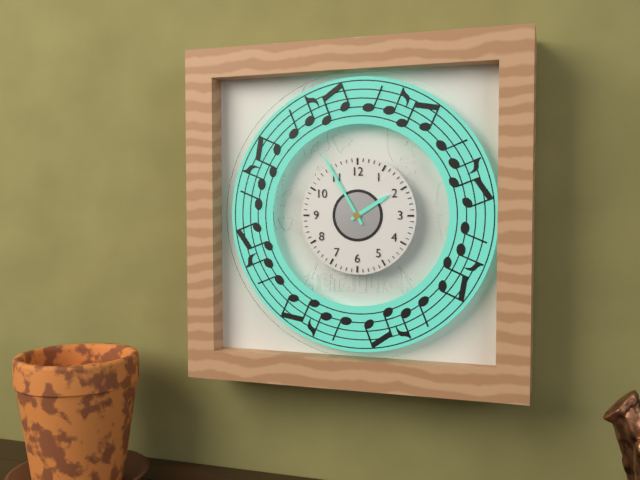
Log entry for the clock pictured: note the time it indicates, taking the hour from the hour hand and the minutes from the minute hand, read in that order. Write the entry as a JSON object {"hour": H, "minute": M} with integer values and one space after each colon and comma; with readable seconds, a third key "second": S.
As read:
{"hour": 1, "minute": 55}
